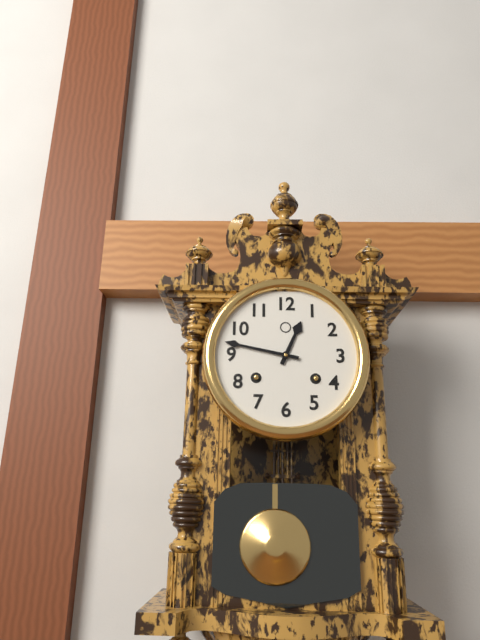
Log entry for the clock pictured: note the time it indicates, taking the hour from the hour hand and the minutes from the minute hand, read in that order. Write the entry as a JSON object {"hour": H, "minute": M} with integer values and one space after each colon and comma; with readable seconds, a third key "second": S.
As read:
{"hour": 12, "minute": 47}
